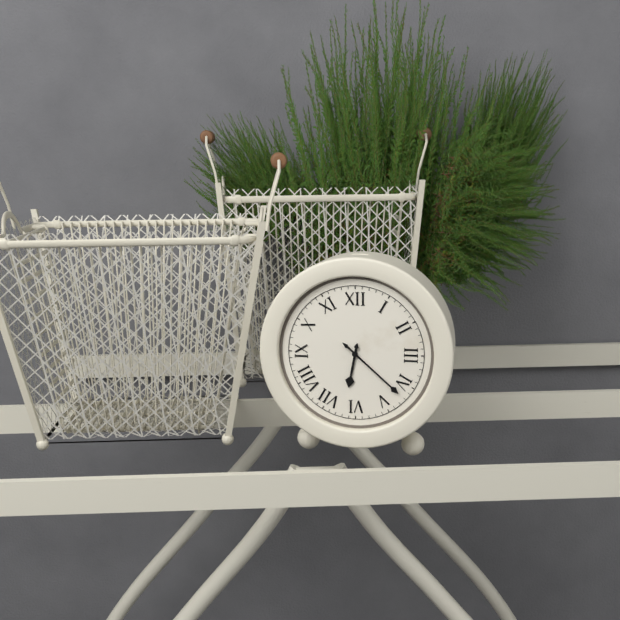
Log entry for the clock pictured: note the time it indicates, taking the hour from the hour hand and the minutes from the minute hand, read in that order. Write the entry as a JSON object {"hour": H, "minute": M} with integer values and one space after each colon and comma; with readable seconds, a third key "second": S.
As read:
{"hour": 6, "minute": 22}
